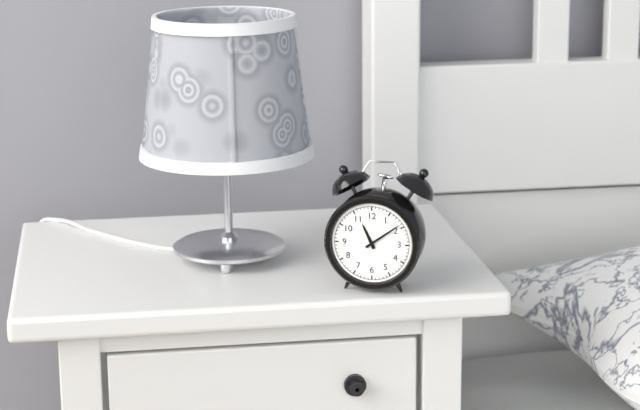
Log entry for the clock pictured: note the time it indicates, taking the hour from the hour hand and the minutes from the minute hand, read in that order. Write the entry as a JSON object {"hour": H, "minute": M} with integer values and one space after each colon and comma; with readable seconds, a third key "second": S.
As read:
{"hour": 11, "minute": 9}
